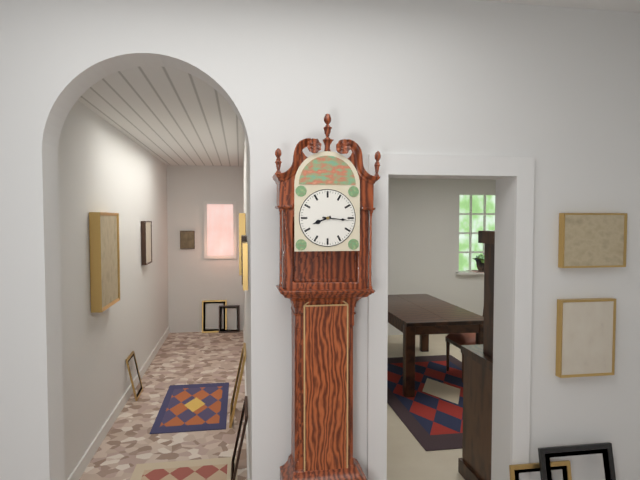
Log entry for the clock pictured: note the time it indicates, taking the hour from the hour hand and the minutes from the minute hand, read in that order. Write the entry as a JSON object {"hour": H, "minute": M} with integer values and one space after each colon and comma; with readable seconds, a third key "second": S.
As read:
{"hour": 8, "minute": 16}
